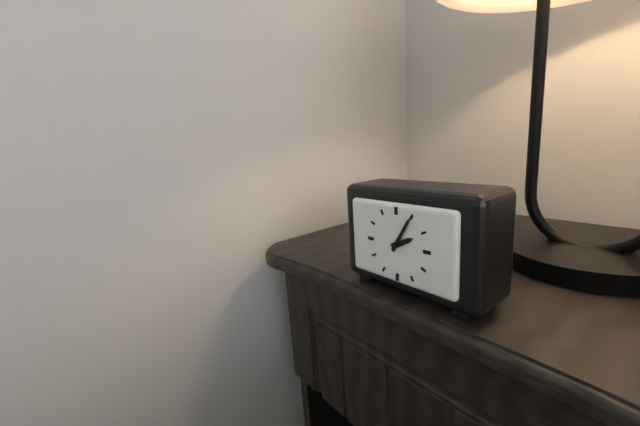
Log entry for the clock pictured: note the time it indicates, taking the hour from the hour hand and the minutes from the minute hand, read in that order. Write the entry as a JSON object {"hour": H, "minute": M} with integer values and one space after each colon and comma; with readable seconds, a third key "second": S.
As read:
{"hour": 2, "minute": 5}
